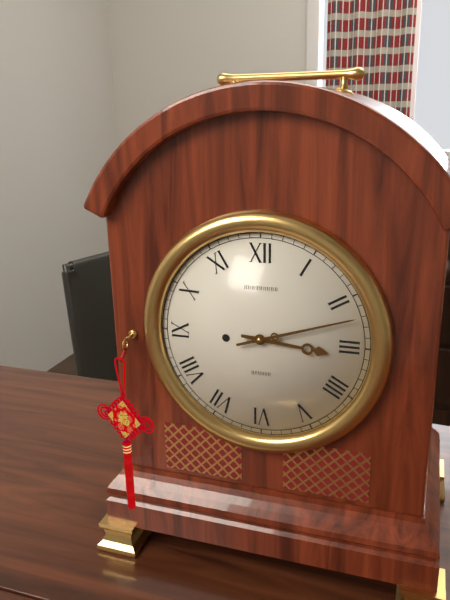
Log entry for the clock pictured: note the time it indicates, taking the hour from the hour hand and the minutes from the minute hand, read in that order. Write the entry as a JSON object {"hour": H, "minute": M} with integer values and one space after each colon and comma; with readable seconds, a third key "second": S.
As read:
{"hour": 3, "minute": 12}
